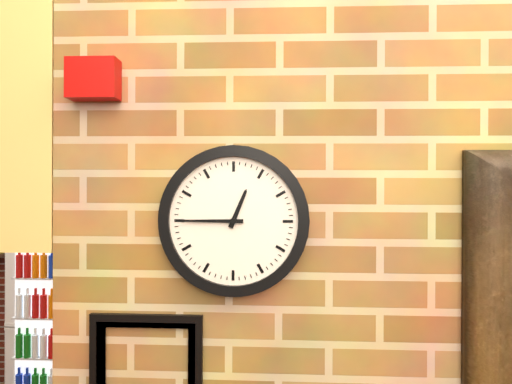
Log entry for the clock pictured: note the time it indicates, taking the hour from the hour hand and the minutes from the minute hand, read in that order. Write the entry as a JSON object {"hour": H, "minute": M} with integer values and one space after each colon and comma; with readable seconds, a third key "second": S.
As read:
{"hour": 12, "minute": 45}
